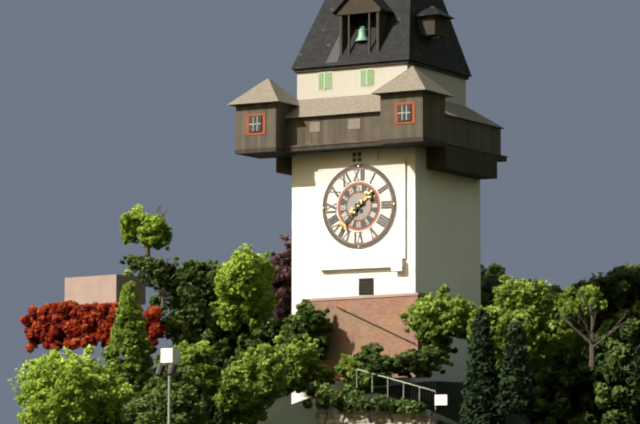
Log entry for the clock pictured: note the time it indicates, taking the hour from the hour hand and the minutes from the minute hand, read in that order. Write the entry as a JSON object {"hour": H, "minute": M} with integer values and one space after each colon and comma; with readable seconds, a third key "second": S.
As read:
{"hour": 1, "minute": 37}
